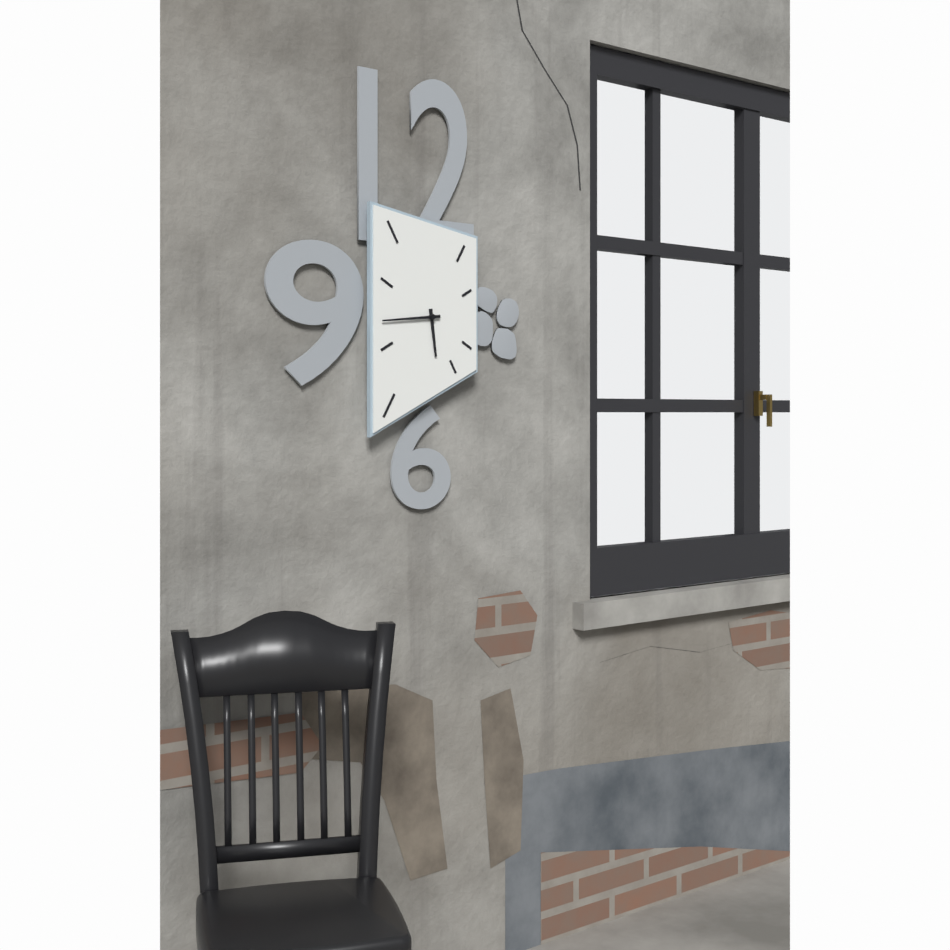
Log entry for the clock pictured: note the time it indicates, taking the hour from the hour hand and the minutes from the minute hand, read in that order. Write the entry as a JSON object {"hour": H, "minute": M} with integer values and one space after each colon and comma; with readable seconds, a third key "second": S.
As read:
{"hour": 5, "minute": 44}
